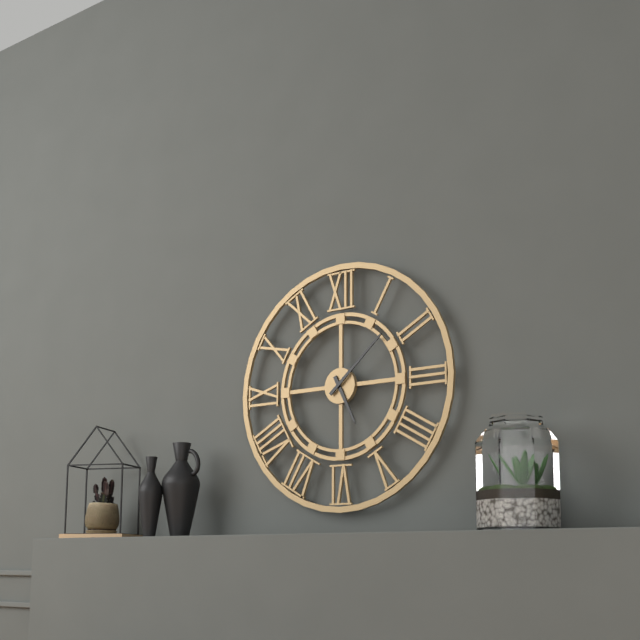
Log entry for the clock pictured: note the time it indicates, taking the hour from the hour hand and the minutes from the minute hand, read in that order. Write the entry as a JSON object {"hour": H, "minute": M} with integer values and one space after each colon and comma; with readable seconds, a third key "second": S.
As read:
{"hour": 5, "minute": 8}
